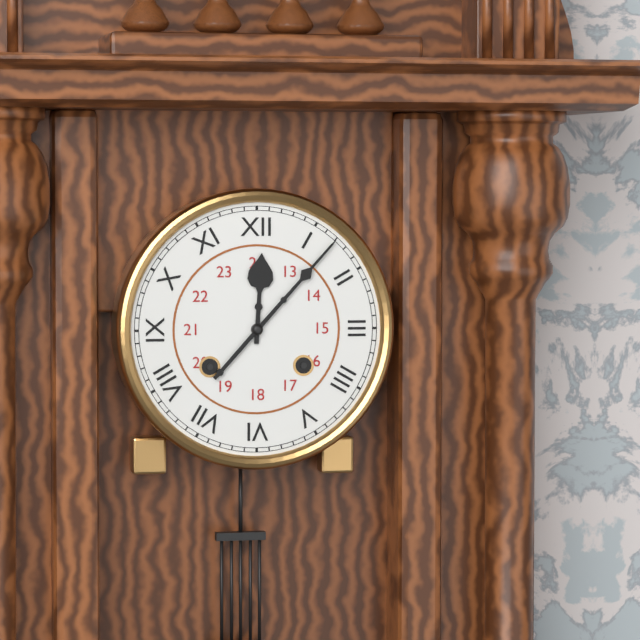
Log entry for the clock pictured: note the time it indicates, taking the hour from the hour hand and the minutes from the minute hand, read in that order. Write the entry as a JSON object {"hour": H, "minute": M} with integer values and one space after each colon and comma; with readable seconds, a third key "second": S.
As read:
{"hour": 12, "minute": 7}
